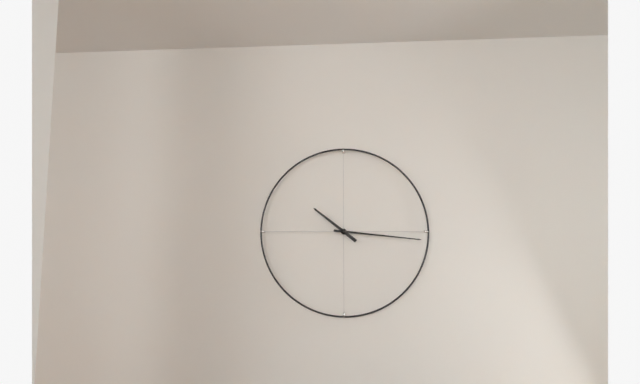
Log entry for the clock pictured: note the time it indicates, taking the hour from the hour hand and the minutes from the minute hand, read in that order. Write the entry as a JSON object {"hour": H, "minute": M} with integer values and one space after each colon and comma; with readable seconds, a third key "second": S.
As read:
{"hour": 10, "minute": 16}
